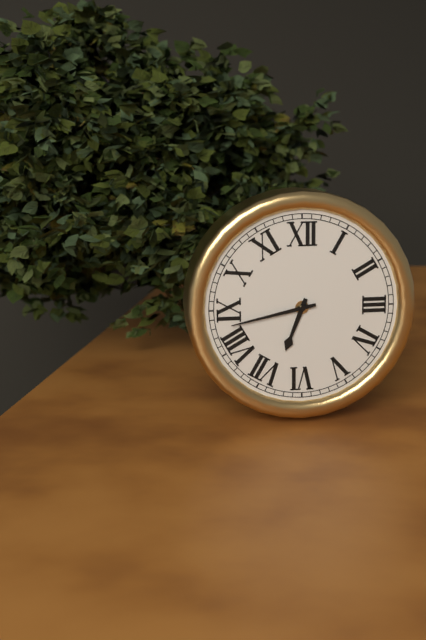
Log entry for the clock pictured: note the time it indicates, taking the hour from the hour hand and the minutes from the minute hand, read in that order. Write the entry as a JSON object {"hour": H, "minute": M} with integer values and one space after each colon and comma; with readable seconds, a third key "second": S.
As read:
{"hour": 6, "minute": 43}
